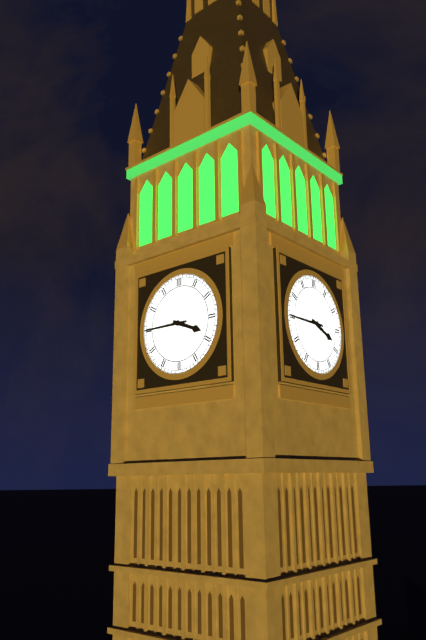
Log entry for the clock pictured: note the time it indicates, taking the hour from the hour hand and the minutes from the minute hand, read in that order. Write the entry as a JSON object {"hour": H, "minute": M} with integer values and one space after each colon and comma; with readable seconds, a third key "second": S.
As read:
{"hour": 3, "minute": 45}
